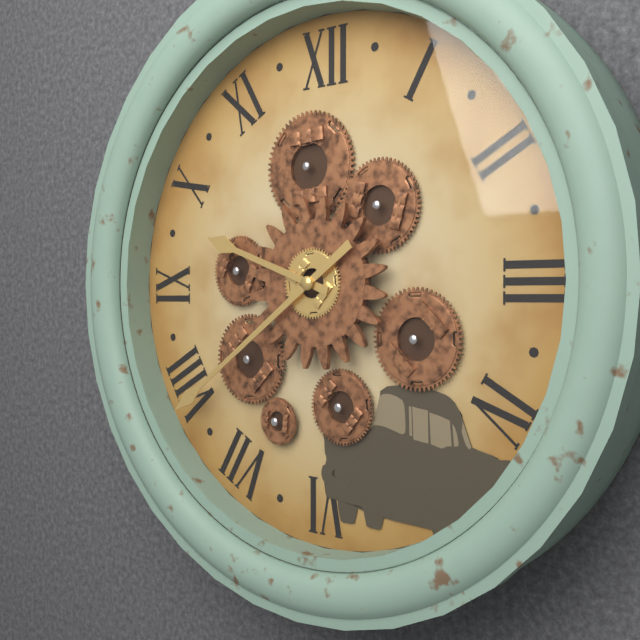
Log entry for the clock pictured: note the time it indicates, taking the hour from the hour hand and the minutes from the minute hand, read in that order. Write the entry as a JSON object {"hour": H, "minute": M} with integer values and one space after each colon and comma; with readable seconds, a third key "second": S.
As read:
{"hour": 9, "minute": 39}
